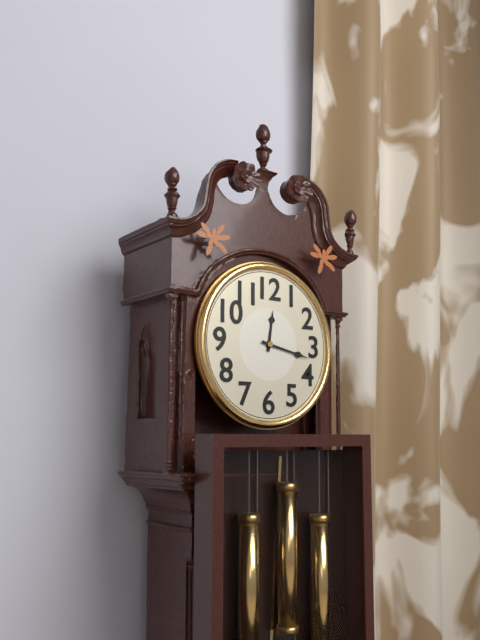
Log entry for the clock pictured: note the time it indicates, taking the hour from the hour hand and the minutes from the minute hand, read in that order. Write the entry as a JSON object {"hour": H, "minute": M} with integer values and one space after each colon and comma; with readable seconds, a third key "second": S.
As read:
{"hour": 12, "minute": 17}
